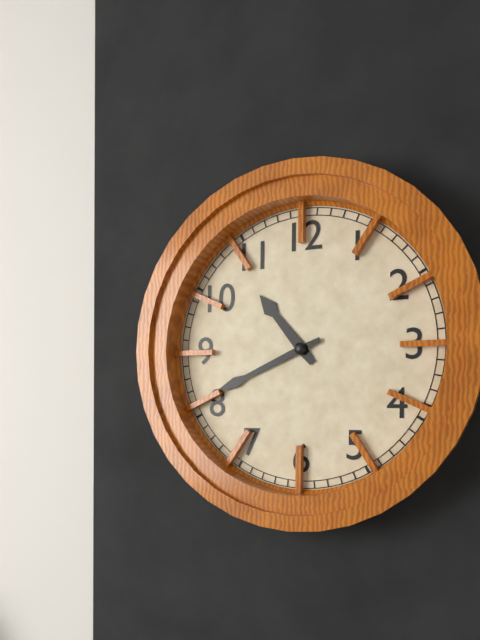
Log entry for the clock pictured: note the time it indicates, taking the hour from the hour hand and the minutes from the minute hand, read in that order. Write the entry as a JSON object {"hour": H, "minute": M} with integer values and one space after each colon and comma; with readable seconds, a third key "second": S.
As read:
{"hour": 10, "minute": 41}
